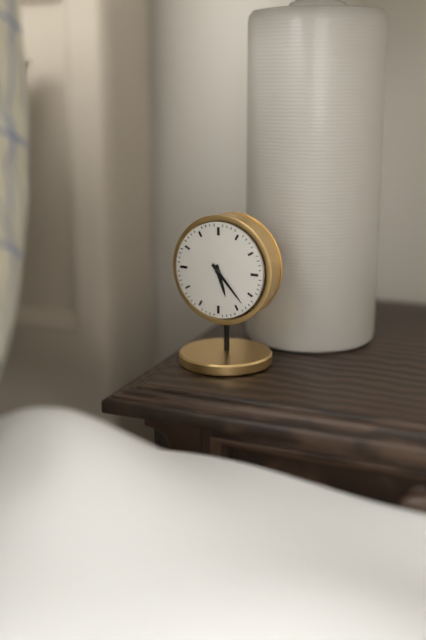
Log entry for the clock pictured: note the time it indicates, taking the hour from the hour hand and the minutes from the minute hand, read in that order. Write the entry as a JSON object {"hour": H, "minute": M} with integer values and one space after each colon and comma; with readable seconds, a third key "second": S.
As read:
{"hour": 5, "minute": 23}
